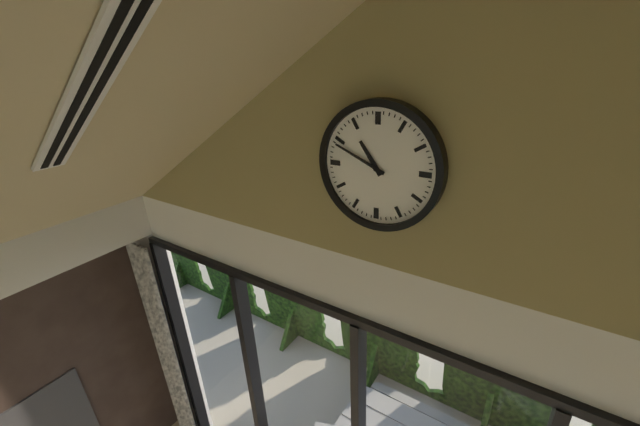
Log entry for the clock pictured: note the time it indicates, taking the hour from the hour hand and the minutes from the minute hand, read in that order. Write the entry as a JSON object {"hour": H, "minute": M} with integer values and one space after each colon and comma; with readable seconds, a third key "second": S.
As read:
{"hour": 10, "minute": 49}
